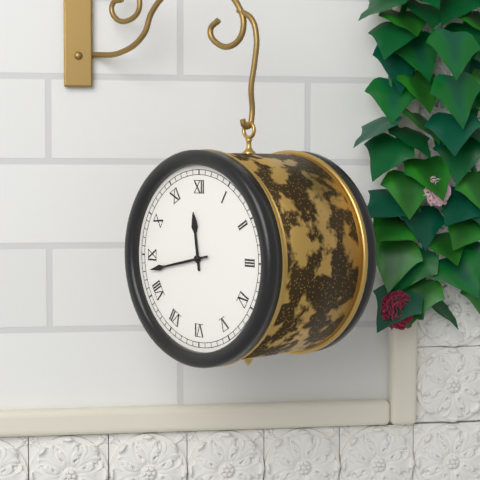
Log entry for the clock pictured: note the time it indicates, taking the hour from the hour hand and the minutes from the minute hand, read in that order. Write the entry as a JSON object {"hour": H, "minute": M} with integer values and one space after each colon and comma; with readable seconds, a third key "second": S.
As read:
{"hour": 11, "minute": 43}
